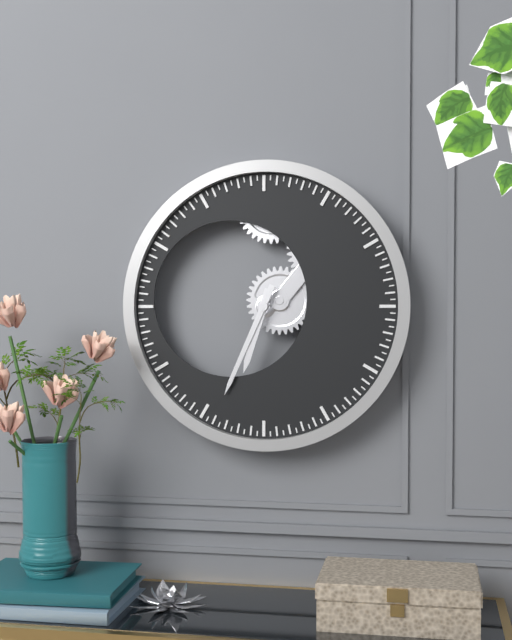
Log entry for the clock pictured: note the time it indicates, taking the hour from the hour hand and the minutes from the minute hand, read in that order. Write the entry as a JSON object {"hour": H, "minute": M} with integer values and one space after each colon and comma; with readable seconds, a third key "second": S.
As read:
{"hour": 6, "minute": 34}
